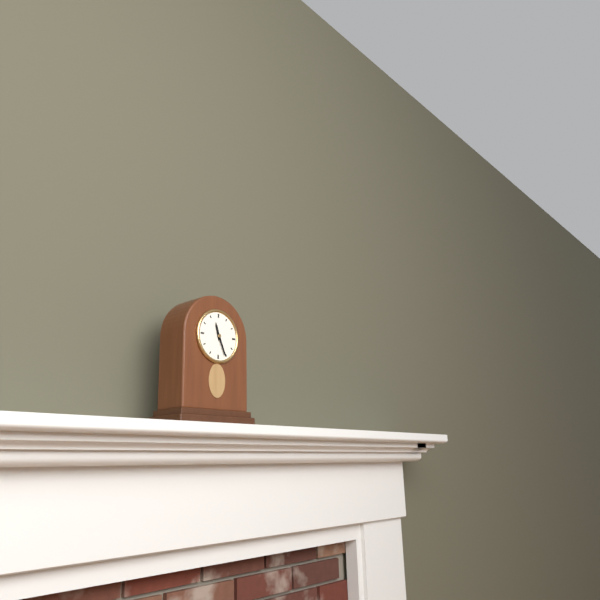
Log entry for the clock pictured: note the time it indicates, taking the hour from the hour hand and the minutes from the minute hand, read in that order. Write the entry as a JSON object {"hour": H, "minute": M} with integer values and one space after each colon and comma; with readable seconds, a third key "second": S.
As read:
{"hour": 11, "minute": 26}
